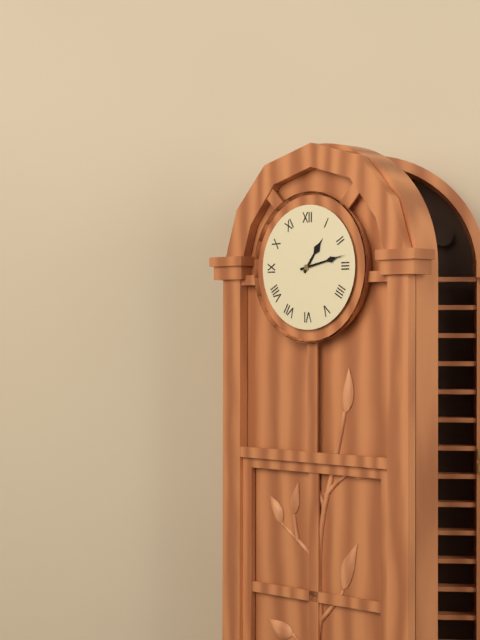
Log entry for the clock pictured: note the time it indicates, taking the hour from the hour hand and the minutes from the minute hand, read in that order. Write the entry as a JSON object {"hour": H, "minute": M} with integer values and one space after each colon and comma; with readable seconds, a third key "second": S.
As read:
{"hour": 1, "minute": 13}
